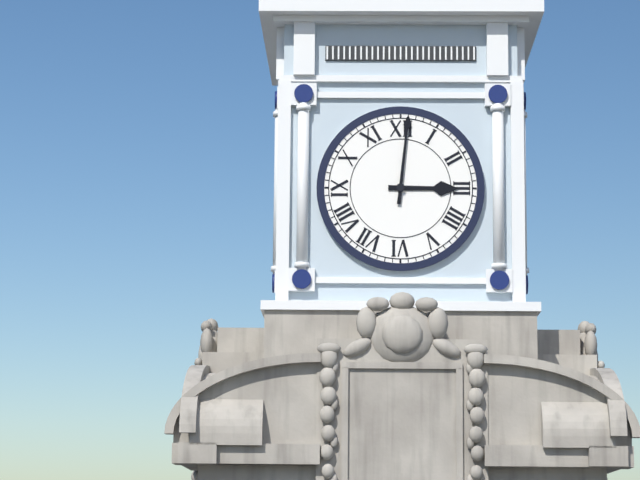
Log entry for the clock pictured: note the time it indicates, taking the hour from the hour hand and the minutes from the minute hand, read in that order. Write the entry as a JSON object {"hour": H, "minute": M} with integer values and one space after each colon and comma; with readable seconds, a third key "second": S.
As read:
{"hour": 3, "minute": 1}
